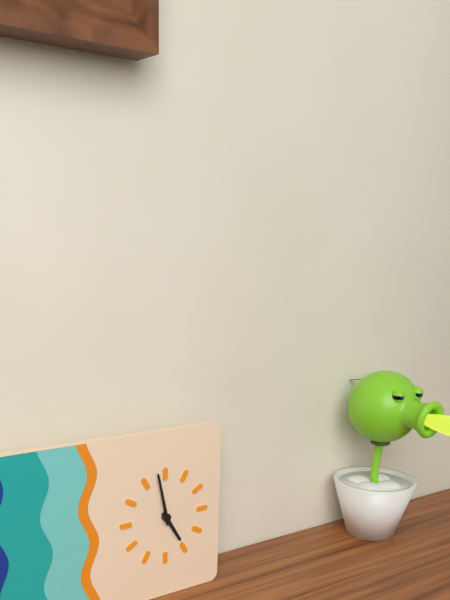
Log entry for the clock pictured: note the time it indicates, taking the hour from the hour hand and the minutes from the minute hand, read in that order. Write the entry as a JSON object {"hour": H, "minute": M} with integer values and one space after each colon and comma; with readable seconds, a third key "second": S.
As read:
{"hour": 4, "minute": 58}
